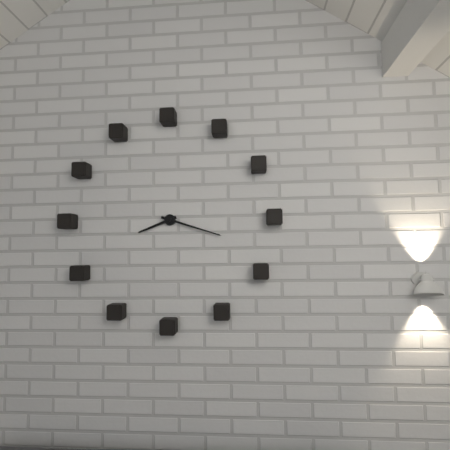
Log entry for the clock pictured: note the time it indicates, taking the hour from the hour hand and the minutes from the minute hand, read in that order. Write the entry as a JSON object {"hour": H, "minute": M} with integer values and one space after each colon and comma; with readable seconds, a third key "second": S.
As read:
{"hour": 8, "minute": 18}
